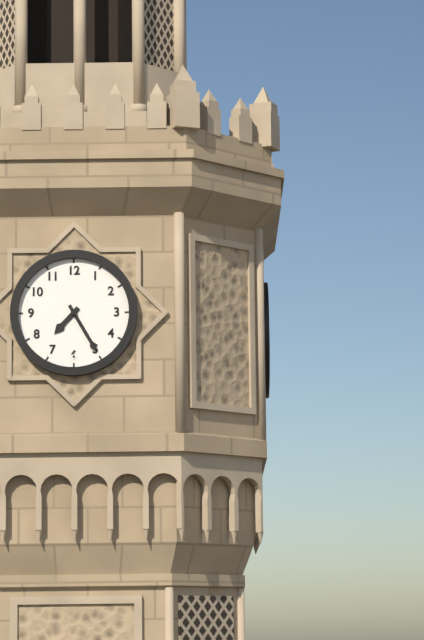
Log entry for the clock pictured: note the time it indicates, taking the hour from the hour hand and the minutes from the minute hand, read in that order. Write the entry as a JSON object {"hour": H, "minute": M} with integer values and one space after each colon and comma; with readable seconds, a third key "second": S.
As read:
{"hour": 7, "minute": 25}
